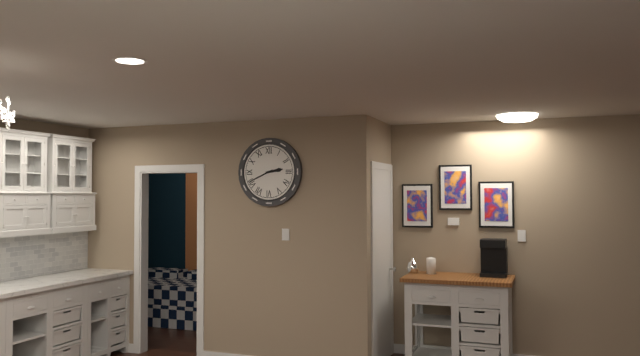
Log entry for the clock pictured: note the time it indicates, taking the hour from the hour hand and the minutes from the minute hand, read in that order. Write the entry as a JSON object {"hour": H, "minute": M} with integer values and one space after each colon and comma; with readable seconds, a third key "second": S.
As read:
{"hour": 2, "minute": 41}
